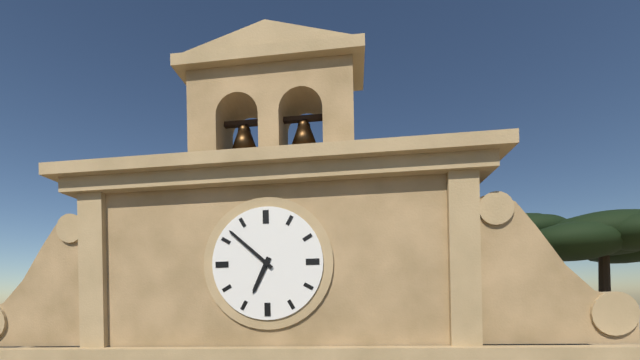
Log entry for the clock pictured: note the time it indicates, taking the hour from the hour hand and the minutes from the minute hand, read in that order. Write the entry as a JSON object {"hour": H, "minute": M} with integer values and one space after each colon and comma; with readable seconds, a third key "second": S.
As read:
{"hour": 6, "minute": 52}
